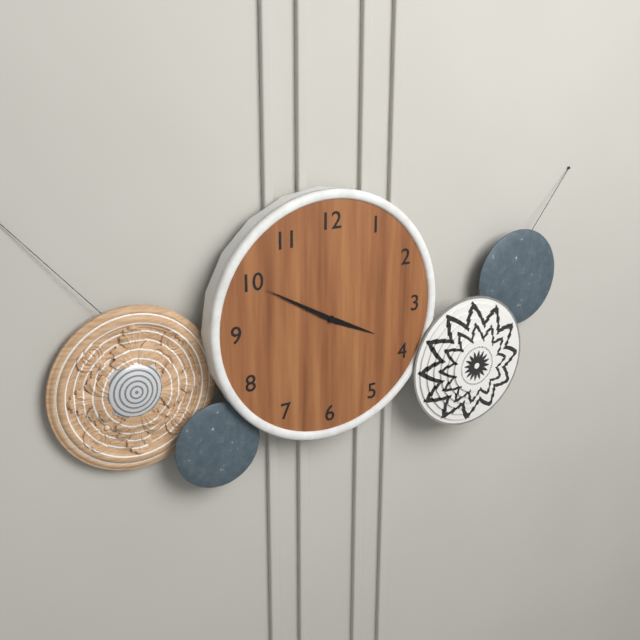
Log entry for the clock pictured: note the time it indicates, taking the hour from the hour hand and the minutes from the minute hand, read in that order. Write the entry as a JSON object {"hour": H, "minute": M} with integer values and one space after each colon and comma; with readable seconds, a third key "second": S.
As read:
{"hour": 3, "minute": 50}
